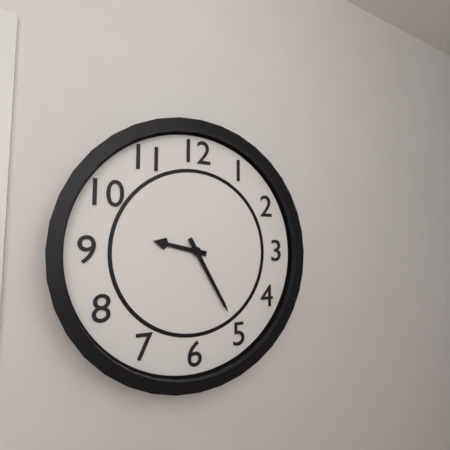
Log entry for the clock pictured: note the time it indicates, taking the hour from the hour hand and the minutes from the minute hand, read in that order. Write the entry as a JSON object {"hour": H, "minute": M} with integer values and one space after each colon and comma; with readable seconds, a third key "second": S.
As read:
{"hour": 9, "minute": 25}
